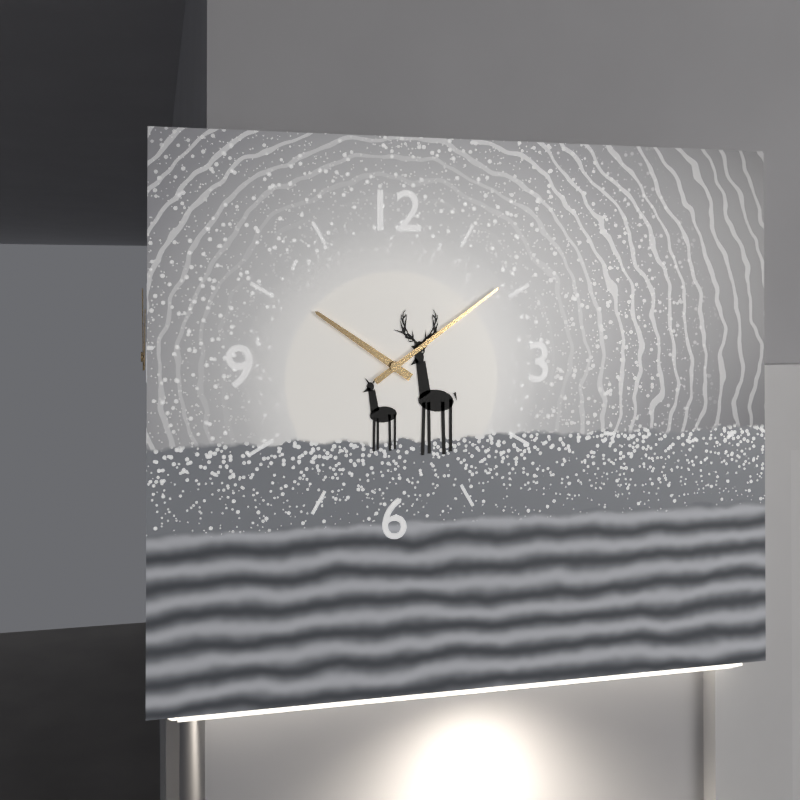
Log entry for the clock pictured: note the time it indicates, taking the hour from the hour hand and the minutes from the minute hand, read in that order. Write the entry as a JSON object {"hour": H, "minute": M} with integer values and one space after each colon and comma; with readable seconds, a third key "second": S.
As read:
{"hour": 10, "minute": 9}
